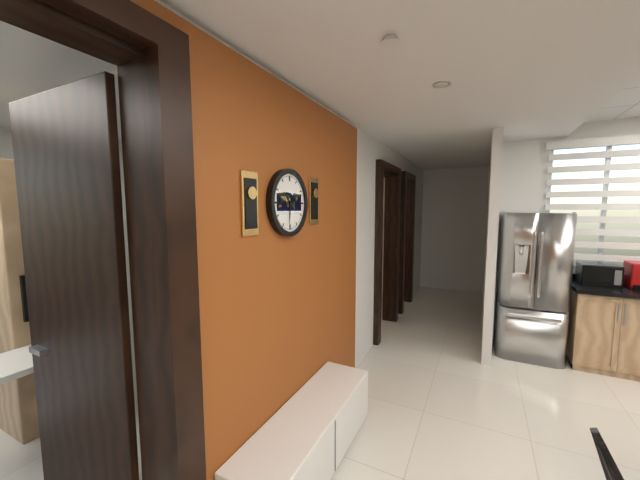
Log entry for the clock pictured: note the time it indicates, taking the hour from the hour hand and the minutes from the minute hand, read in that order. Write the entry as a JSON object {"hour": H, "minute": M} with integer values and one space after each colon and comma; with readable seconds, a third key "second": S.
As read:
{"hour": 10, "minute": 31}
